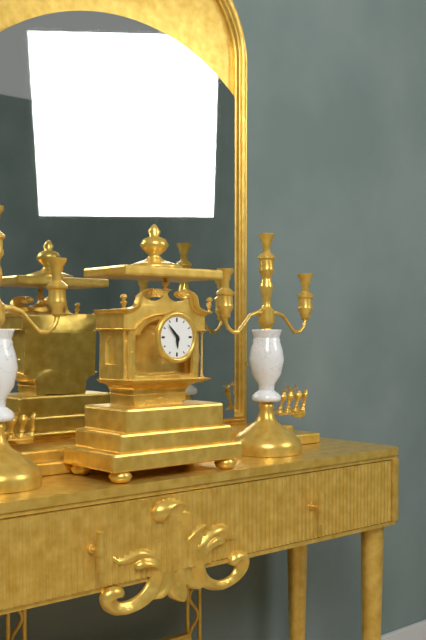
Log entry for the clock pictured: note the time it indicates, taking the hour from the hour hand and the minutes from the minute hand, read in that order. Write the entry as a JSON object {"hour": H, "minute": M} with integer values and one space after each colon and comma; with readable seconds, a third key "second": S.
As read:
{"hour": 5, "minute": 53}
